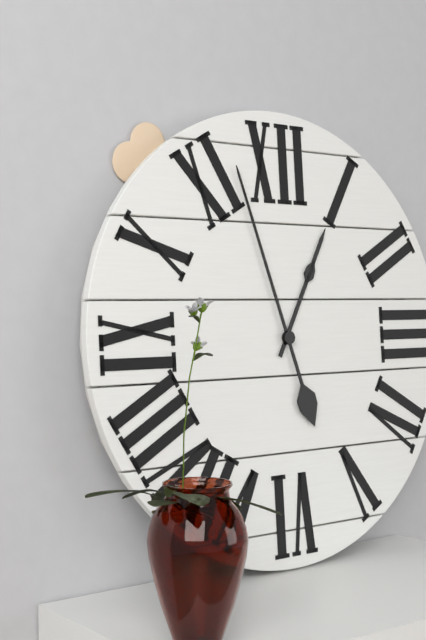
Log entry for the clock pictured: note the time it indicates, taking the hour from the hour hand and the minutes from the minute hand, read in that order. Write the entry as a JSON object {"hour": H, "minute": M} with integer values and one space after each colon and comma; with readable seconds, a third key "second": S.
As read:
{"hour": 12, "minute": 57}
